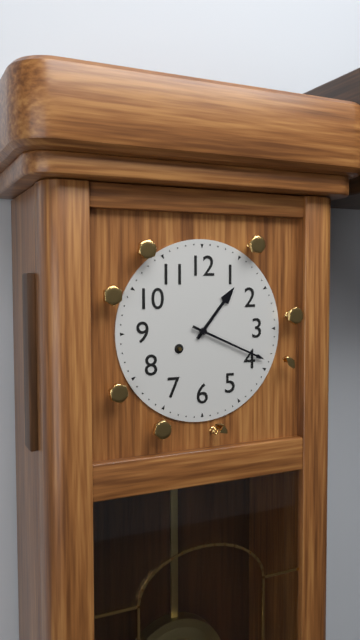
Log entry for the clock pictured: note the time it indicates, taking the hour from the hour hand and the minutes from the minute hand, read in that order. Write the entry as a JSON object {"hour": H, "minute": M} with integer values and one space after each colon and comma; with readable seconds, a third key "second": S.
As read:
{"hour": 1, "minute": 19}
